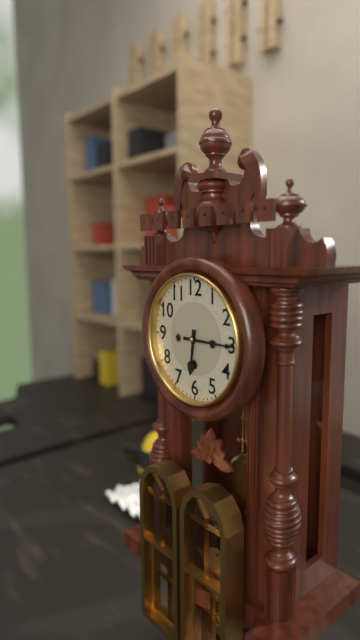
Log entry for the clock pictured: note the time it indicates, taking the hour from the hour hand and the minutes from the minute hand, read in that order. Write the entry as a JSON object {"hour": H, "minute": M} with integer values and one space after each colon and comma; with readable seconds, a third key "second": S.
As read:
{"hour": 6, "minute": 15}
